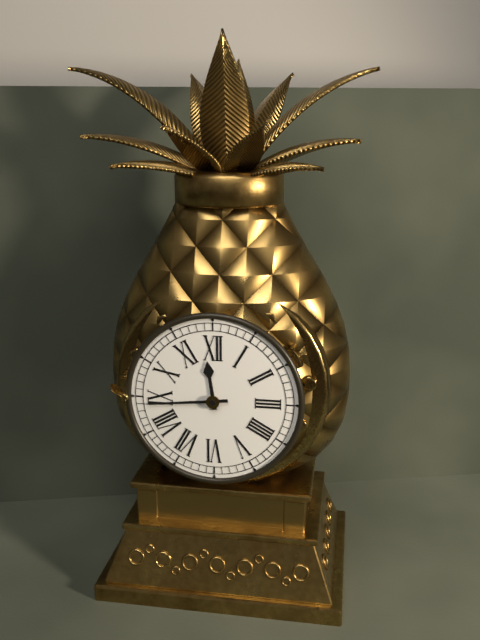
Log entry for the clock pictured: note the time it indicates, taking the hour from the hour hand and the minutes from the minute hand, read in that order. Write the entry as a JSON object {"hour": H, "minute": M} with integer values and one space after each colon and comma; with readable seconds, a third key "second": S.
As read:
{"hour": 11, "minute": 44}
